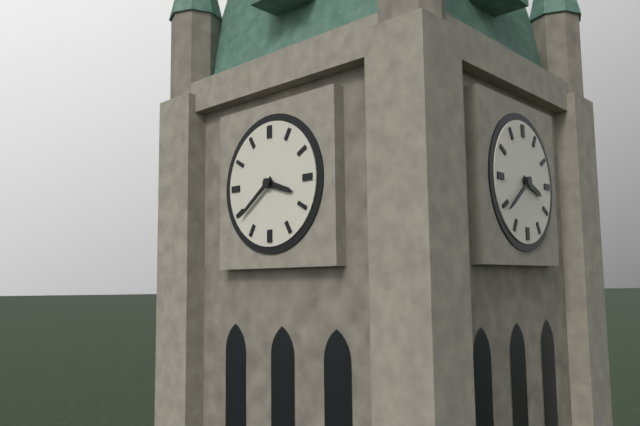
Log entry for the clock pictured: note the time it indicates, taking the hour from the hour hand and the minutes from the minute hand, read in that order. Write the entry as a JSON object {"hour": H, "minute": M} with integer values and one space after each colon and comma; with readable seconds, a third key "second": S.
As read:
{"hour": 3, "minute": 39}
